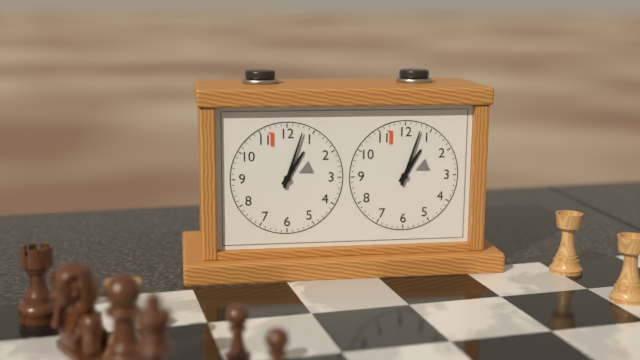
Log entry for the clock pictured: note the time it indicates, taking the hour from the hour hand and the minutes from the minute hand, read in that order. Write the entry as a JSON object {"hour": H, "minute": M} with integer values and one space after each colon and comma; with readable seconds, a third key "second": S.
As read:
{"hour": 1, "minute": 3}
